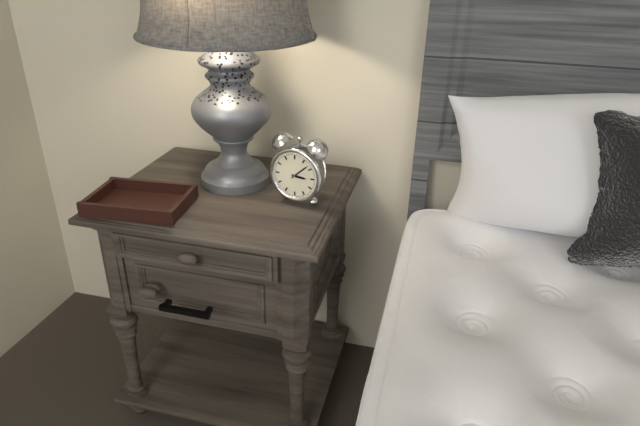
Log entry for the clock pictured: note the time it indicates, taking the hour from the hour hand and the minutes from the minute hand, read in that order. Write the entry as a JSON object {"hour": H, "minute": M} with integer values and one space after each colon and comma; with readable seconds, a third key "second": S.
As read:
{"hour": 3, "minute": 8}
